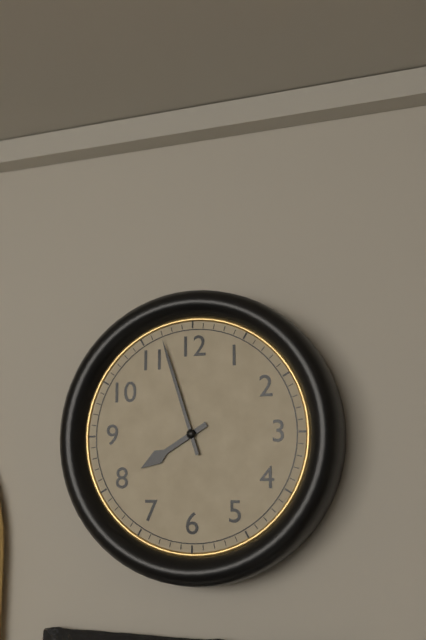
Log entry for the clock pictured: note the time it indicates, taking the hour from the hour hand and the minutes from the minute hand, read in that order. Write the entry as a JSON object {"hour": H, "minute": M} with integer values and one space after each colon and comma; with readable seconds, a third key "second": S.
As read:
{"hour": 7, "minute": 57}
